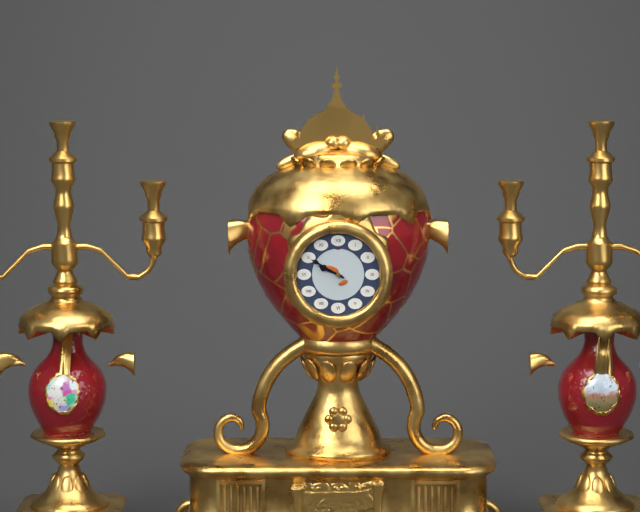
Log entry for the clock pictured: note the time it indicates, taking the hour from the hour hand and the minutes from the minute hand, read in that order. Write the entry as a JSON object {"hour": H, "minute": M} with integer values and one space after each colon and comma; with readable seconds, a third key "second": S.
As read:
{"hour": 9, "minute": 50}
